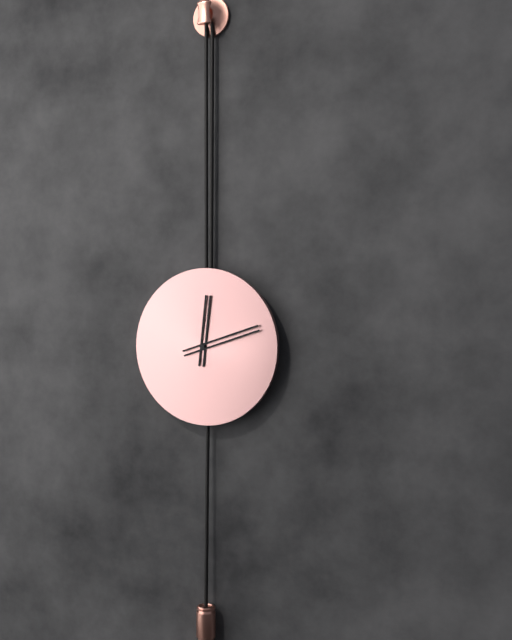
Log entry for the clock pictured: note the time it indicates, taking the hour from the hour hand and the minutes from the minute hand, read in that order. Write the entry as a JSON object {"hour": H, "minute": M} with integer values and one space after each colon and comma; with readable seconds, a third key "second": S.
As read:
{"hour": 12, "minute": 12}
